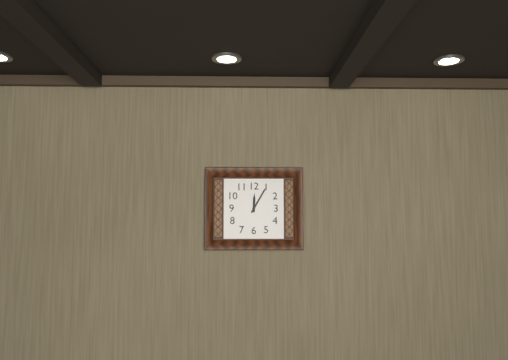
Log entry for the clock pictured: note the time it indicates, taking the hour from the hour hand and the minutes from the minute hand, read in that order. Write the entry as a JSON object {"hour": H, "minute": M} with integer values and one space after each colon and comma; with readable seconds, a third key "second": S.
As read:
{"hour": 12, "minute": 5}
